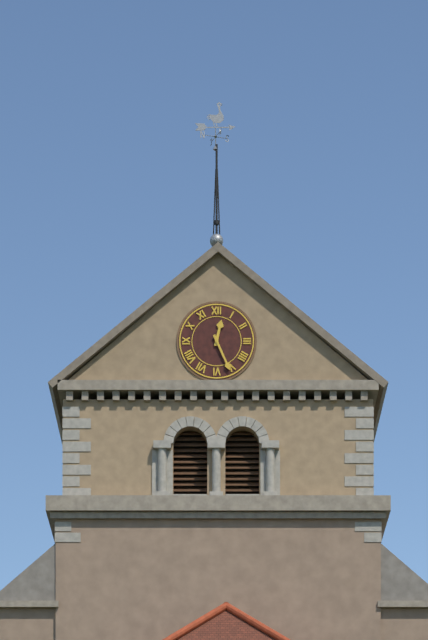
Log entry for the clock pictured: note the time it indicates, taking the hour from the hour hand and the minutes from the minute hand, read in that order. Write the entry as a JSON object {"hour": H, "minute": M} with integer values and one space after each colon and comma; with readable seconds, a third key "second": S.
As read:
{"hour": 12, "minute": 26}
